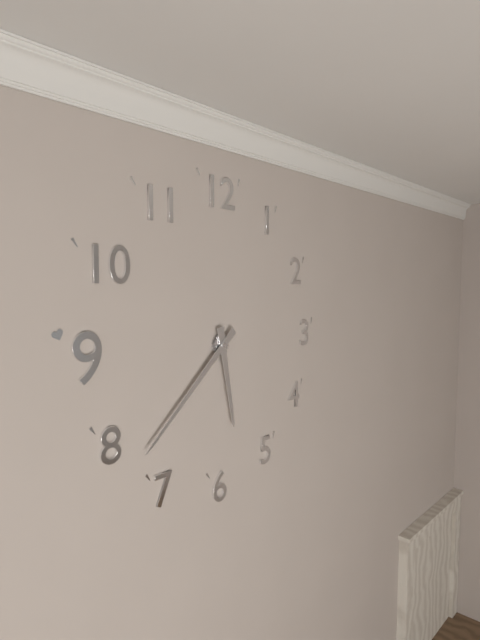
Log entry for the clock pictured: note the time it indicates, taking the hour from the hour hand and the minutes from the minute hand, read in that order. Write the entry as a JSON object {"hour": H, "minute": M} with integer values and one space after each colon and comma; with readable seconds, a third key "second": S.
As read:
{"hour": 5, "minute": 38}
